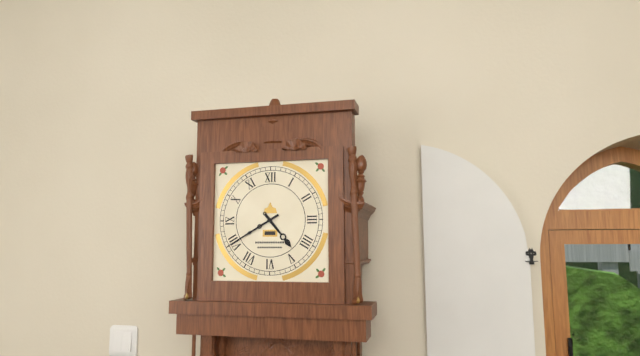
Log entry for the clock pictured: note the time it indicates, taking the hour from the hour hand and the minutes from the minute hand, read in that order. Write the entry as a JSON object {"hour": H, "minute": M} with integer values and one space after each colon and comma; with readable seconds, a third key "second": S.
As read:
{"hour": 4, "minute": 40}
